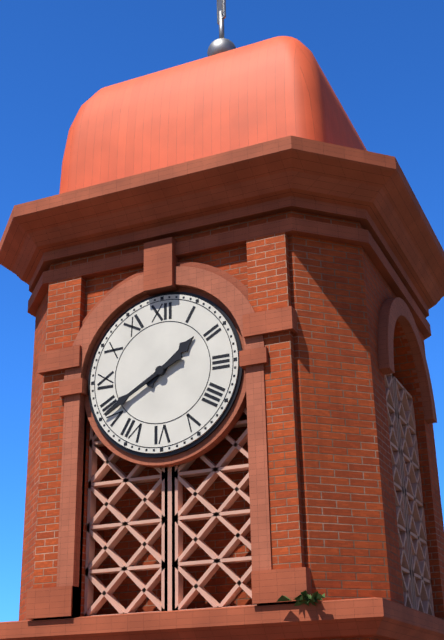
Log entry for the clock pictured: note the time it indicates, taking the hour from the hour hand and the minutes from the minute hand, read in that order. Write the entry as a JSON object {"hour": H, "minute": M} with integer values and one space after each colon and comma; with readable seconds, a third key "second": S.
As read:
{"hour": 1, "minute": 40}
